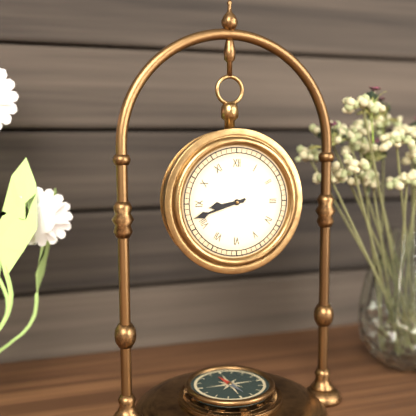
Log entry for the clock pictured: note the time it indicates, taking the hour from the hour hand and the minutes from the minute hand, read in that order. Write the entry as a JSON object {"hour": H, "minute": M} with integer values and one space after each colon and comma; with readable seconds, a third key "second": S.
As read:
{"hour": 8, "minute": 42}
